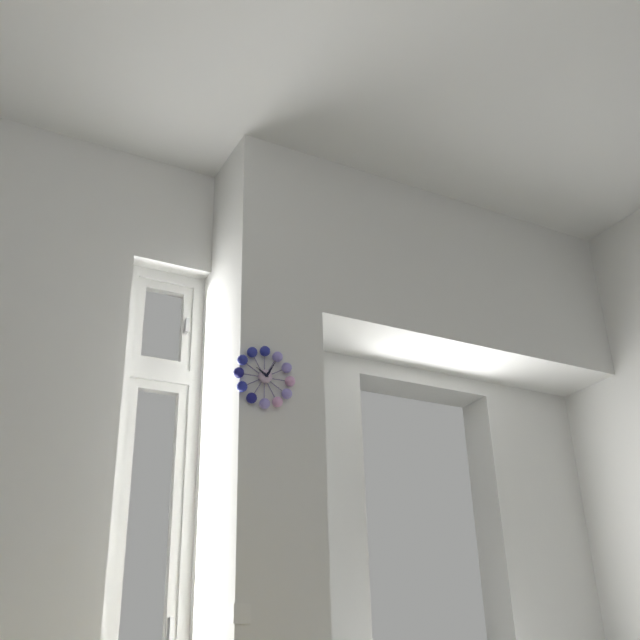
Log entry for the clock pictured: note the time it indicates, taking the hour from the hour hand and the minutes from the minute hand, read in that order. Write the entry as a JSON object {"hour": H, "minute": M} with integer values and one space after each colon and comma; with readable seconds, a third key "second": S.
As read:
{"hour": 10, "minute": 5}
